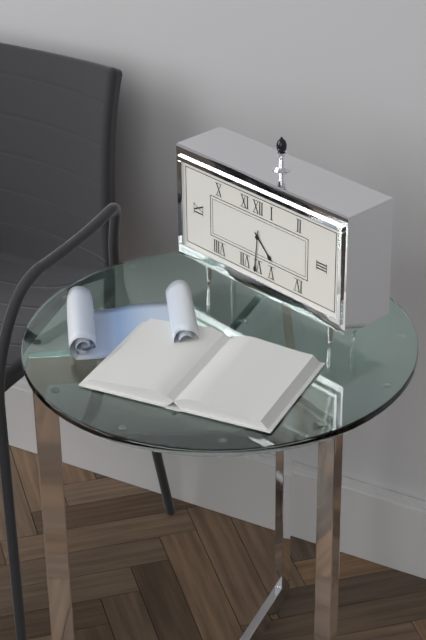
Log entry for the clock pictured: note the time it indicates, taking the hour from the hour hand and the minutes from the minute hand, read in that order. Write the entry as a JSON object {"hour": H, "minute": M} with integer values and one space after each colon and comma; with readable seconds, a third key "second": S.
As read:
{"hour": 4, "minute": 31}
